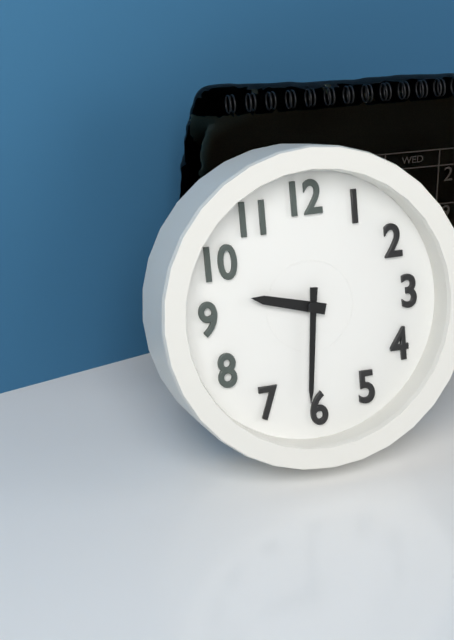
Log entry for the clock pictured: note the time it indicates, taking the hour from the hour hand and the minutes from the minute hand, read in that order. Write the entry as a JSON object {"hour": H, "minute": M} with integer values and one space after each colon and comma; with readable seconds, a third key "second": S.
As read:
{"hour": 9, "minute": 31}
